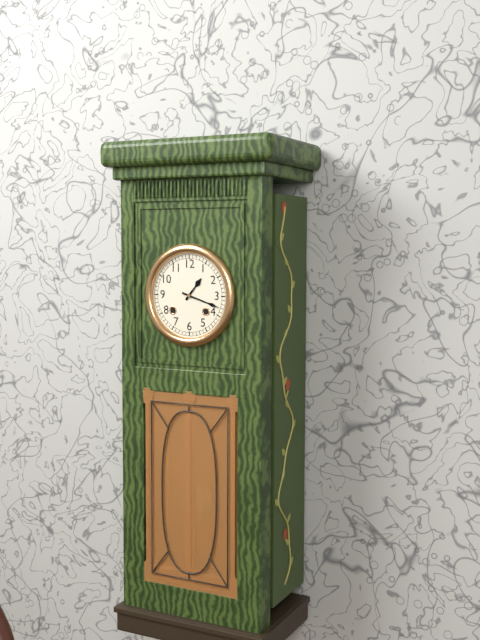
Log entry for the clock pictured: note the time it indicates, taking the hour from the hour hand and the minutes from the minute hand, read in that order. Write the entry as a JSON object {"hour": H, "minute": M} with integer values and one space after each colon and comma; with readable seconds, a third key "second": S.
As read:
{"hour": 1, "minute": 18}
